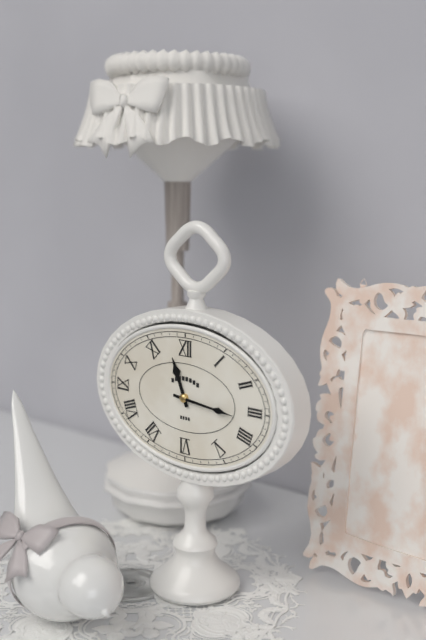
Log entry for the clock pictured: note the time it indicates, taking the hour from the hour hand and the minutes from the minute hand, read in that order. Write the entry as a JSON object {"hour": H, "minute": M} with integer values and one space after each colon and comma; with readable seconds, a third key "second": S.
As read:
{"hour": 11, "minute": 16}
